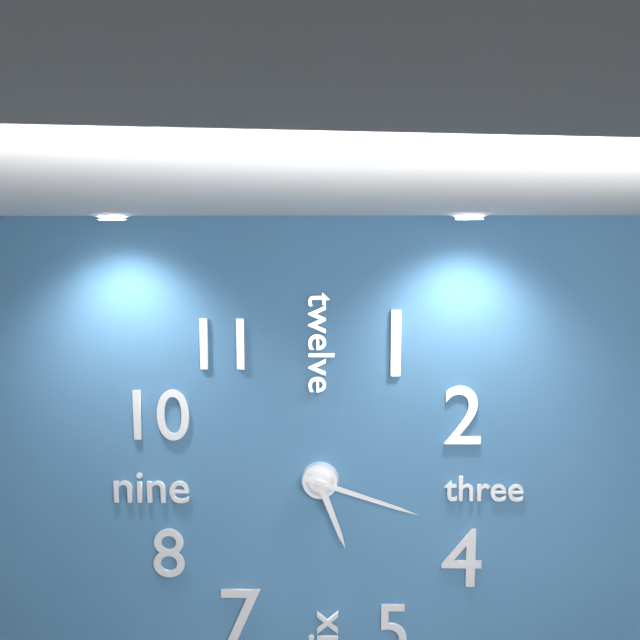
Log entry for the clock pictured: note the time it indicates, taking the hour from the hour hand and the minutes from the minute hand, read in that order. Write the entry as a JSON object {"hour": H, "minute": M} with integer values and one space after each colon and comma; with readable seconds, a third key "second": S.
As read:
{"hour": 5, "minute": 18}
